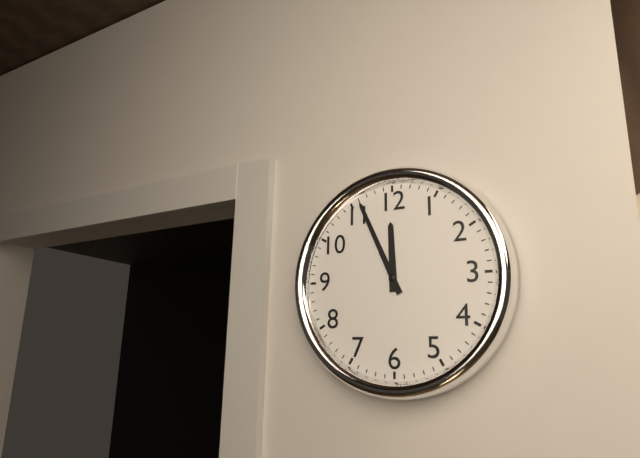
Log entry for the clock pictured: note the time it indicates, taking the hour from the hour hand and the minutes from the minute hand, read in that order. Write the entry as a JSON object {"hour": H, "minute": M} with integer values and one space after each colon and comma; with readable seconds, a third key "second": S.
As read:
{"hour": 11, "minute": 56}
